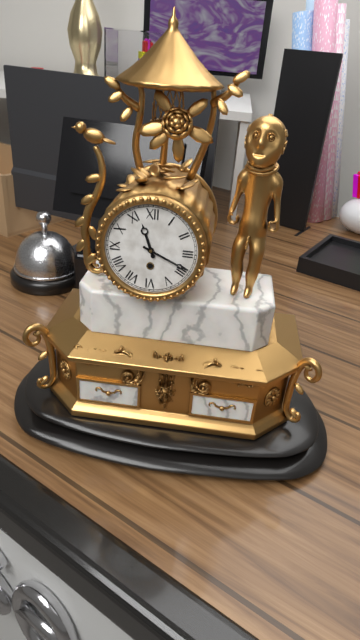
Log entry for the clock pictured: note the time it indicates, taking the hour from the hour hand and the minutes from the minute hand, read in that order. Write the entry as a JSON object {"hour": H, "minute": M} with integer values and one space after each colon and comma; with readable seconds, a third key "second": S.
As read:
{"hour": 11, "minute": 19}
